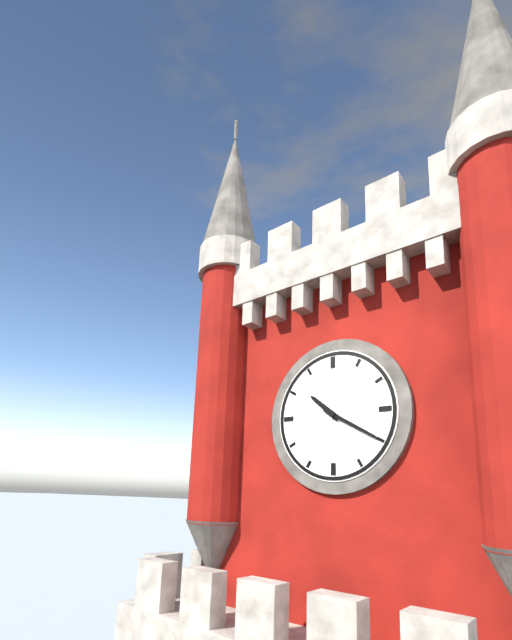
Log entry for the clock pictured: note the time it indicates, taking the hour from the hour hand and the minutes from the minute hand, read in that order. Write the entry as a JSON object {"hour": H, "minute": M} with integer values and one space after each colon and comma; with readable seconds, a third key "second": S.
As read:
{"hour": 10, "minute": 20}
